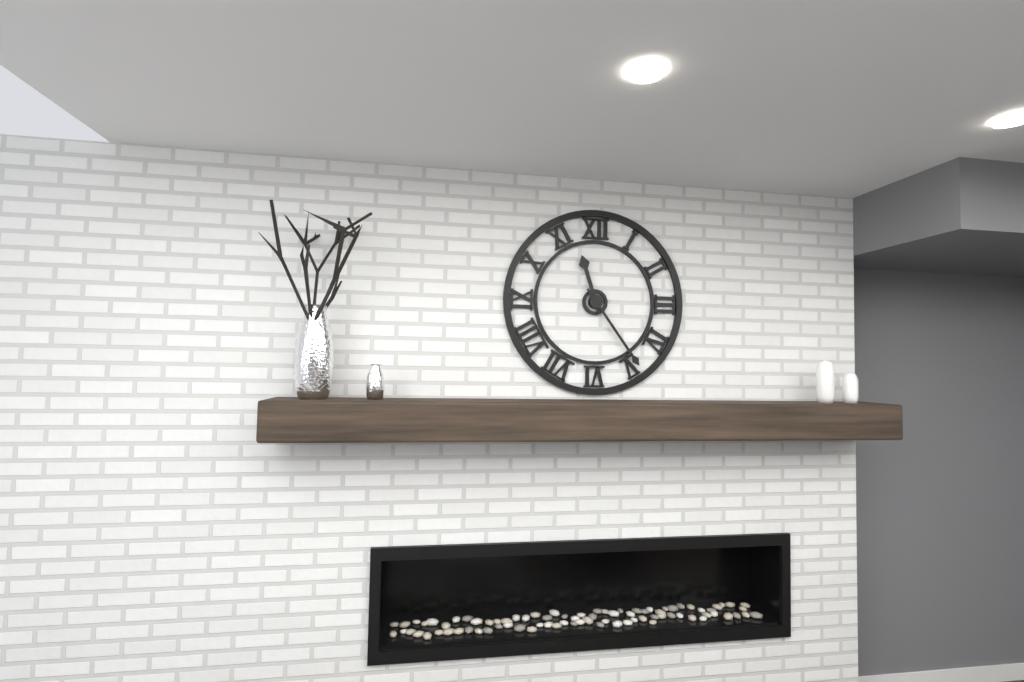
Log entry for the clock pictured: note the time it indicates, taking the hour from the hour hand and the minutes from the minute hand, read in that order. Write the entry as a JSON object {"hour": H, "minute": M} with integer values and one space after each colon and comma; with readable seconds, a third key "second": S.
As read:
{"hour": 11, "minute": 24}
